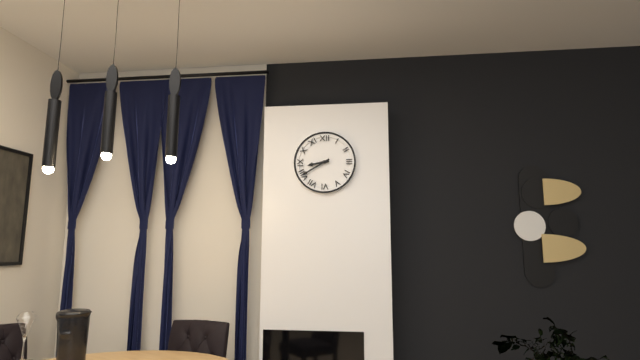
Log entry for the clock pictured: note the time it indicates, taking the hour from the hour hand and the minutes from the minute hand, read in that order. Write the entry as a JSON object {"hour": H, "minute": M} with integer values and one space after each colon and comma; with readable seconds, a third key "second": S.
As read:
{"hour": 8, "minute": 40}
